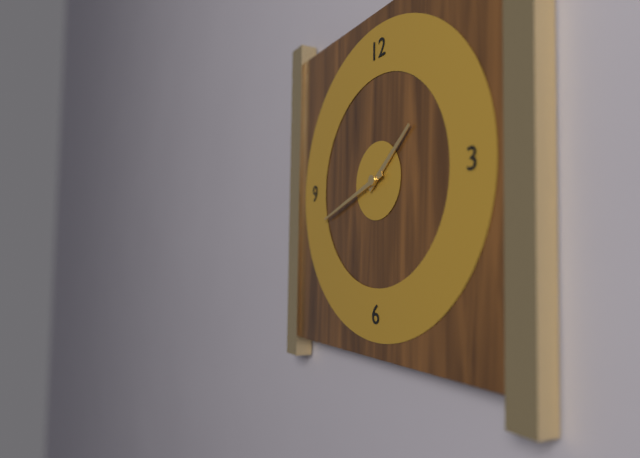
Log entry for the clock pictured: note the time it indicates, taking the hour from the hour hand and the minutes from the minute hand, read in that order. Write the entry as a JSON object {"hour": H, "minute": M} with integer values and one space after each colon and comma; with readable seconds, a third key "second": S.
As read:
{"hour": 1, "minute": 42}
